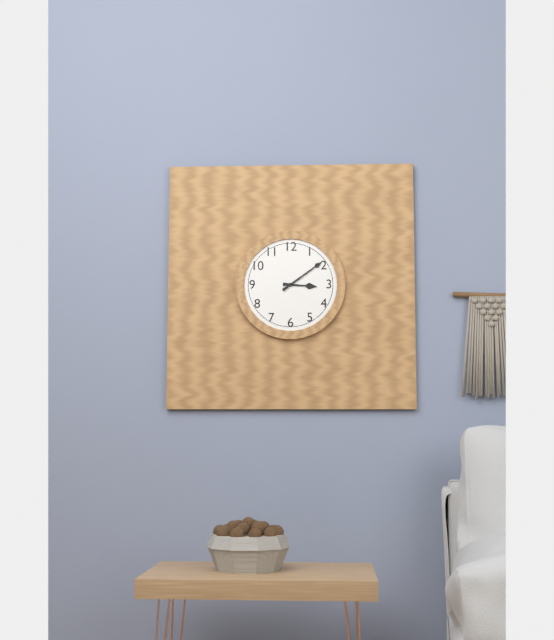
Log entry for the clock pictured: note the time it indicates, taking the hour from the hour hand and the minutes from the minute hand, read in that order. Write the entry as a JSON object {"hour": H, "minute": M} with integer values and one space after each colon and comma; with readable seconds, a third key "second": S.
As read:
{"hour": 3, "minute": 9}
